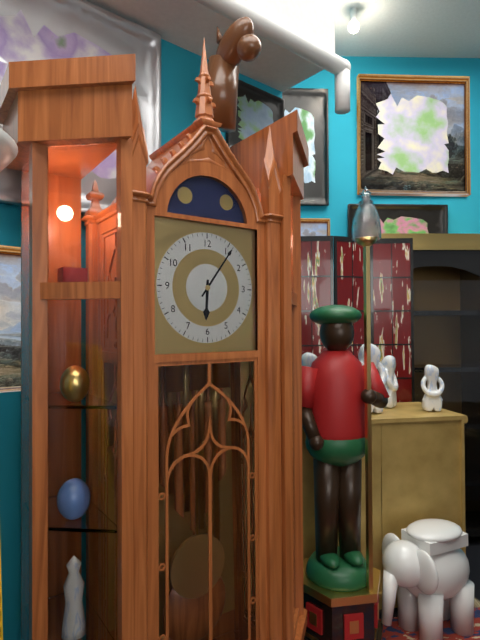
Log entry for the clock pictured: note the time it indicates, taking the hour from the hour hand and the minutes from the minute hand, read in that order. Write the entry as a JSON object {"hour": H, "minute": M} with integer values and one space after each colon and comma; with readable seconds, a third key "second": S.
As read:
{"hour": 6, "minute": 6}
